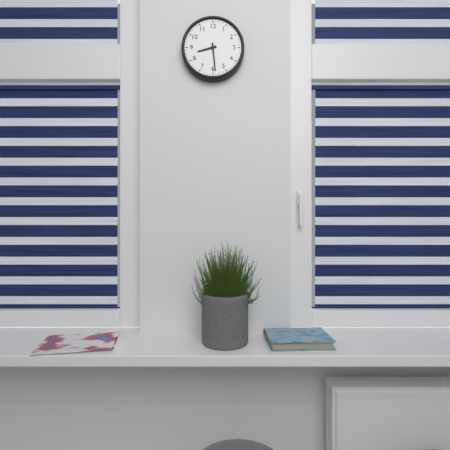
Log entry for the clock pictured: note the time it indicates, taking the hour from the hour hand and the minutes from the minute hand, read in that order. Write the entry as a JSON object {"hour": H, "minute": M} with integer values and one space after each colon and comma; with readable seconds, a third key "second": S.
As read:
{"hour": 8, "minute": 29}
